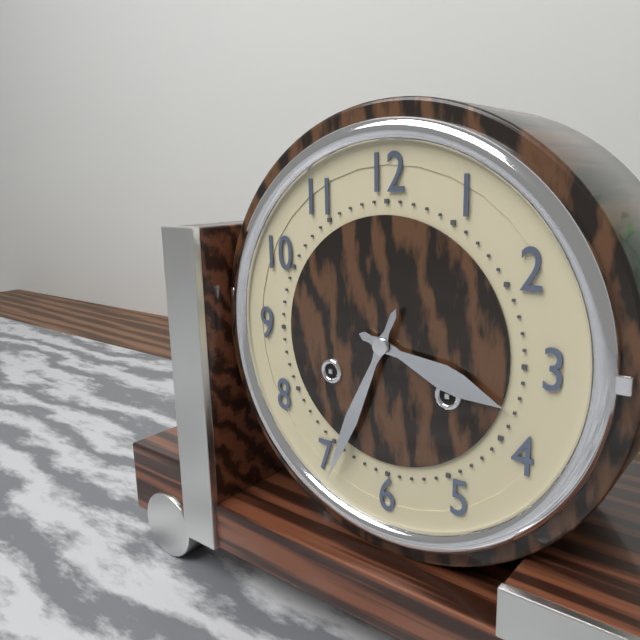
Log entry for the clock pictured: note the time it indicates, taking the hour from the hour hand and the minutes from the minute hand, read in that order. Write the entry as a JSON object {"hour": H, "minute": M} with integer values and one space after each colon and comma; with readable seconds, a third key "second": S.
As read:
{"hour": 3, "minute": 34}
